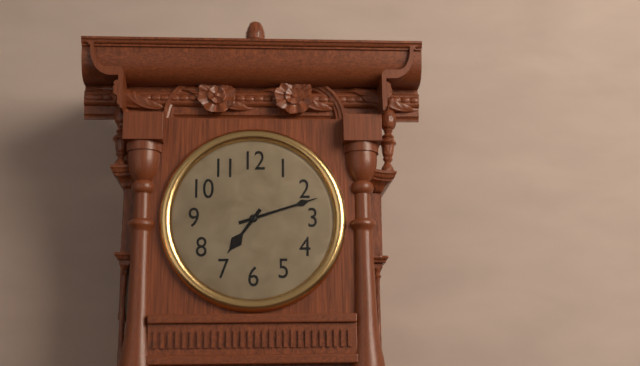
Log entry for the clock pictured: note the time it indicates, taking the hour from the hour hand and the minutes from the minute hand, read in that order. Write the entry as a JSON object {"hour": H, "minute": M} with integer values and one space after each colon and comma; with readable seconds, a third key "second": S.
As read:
{"hour": 7, "minute": 12}
